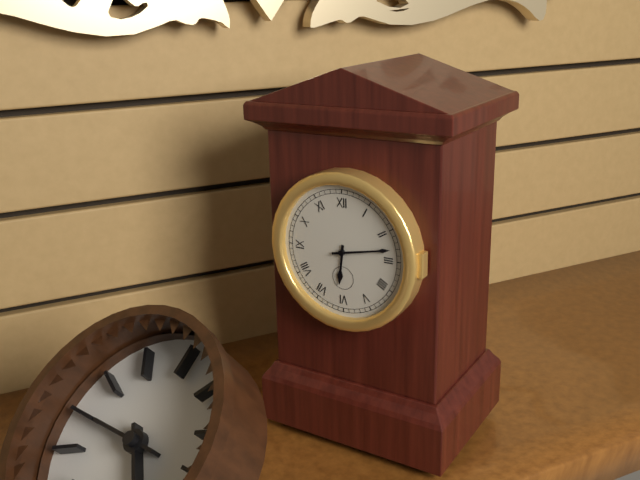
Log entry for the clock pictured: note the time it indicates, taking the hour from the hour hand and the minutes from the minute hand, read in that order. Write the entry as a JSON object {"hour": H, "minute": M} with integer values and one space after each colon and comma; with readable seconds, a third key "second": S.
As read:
{"hour": 6, "minute": 13}
